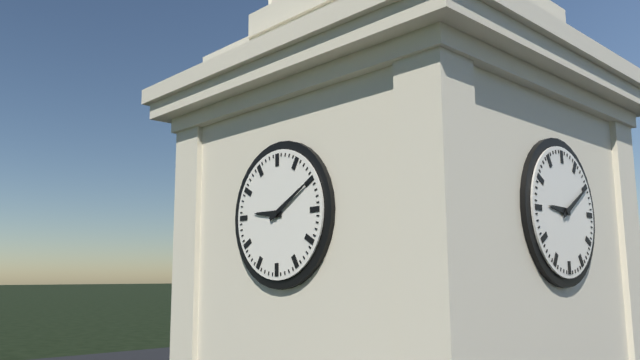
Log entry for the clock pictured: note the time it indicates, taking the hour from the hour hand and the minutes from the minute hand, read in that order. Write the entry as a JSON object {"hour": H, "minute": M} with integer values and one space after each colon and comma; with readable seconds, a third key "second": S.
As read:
{"hour": 9, "minute": 10}
